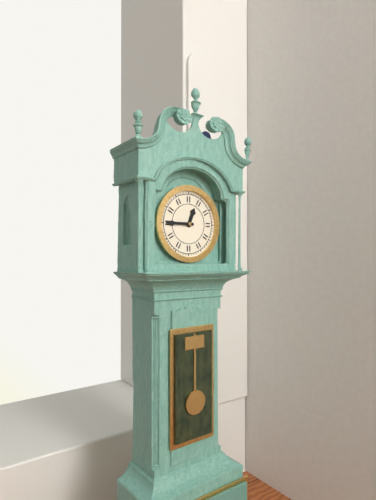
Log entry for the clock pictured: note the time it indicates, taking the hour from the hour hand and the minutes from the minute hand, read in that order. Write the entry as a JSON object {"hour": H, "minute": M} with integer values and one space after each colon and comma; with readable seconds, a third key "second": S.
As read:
{"hour": 12, "minute": 45}
